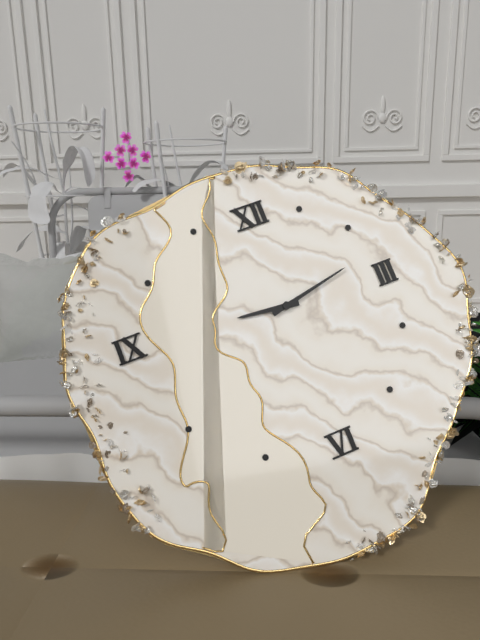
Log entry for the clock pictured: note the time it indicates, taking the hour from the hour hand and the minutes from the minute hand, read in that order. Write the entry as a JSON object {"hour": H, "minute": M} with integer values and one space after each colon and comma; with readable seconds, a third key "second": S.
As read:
{"hour": 9, "minute": 13}
